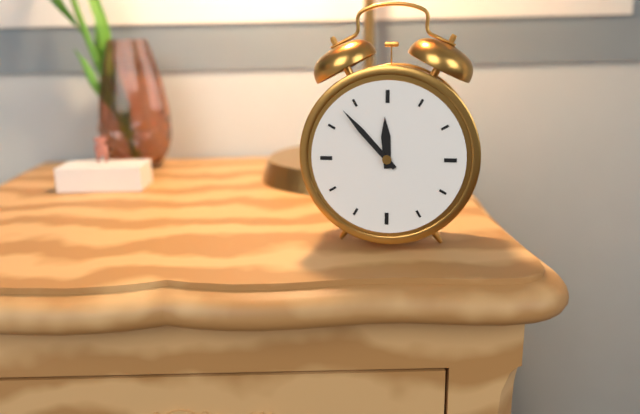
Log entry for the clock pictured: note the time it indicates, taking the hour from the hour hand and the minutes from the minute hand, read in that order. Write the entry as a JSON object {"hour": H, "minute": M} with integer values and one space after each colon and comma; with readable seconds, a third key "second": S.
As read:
{"hour": 11, "minute": 53}
